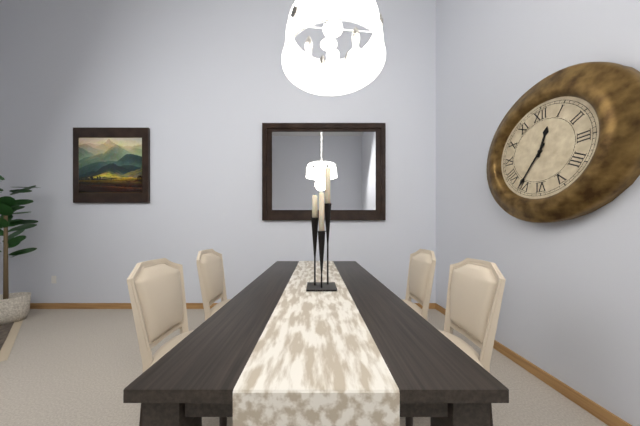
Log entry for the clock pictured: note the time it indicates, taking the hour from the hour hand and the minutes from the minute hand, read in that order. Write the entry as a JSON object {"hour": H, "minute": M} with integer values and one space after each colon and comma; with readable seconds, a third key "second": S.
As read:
{"hour": 12, "minute": 36}
